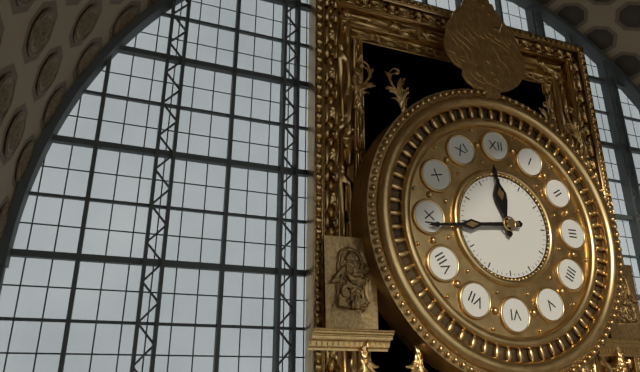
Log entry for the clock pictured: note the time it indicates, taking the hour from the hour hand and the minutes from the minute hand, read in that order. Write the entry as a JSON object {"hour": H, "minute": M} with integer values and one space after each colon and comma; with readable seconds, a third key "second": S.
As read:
{"hour": 11, "minute": 44}
